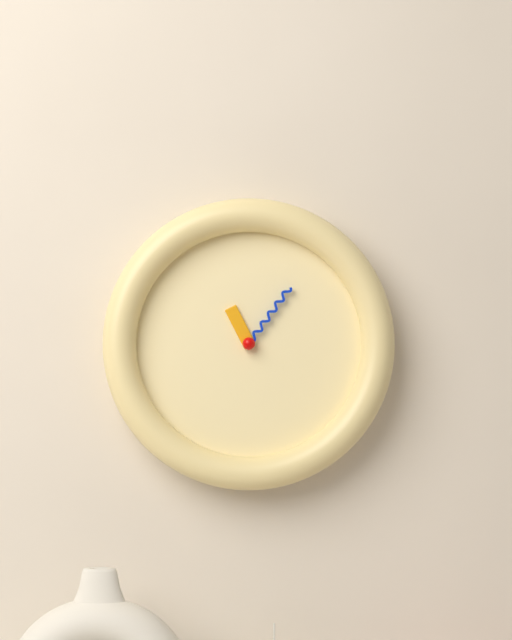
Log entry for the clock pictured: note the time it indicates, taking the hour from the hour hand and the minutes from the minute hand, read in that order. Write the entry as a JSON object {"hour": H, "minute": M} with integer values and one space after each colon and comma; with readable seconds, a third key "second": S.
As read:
{"hour": 11, "minute": 6}
